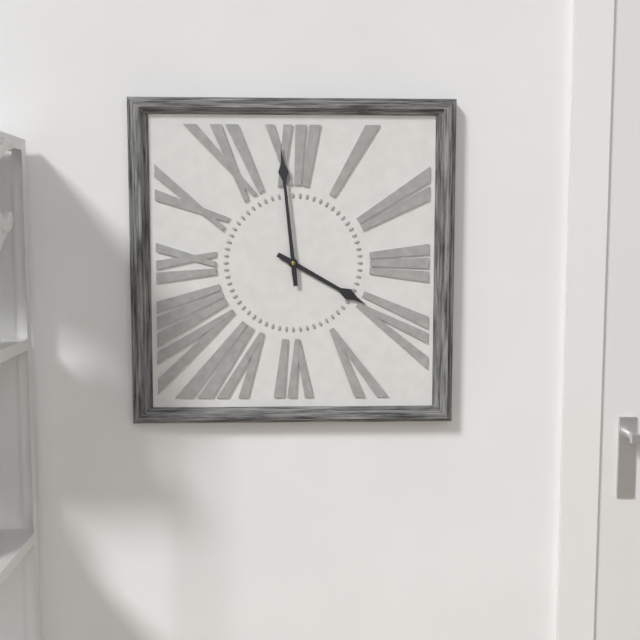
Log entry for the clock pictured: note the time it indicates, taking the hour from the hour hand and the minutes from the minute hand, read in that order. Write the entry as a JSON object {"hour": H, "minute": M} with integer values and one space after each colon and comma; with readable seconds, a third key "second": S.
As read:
{"hour": 3, "minute": 59}
